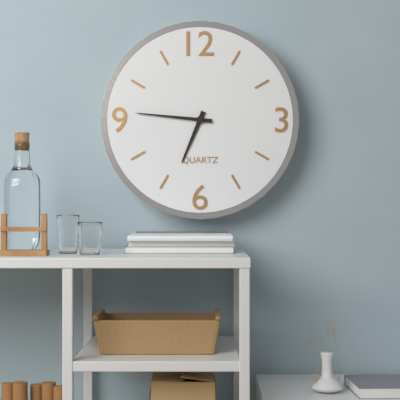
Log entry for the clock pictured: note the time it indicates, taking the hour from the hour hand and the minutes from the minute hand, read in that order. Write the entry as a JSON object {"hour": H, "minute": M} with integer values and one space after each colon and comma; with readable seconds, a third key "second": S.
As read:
{"hour": 6, "minute": 46}
